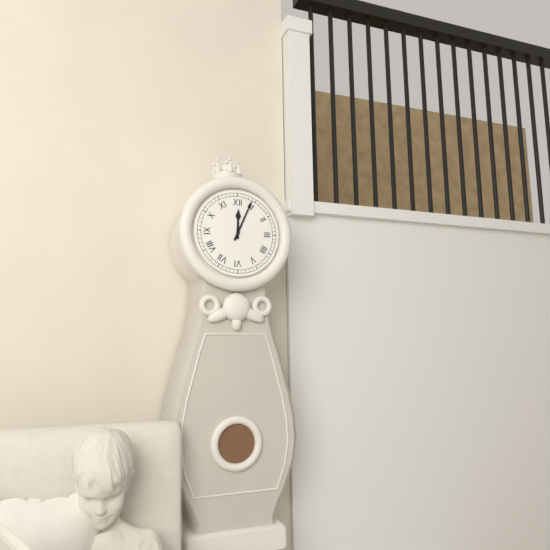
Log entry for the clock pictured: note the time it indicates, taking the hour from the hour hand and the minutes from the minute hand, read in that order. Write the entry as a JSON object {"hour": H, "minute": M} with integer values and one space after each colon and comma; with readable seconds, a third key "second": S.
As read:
{"hour": 12, "minute": 4}
